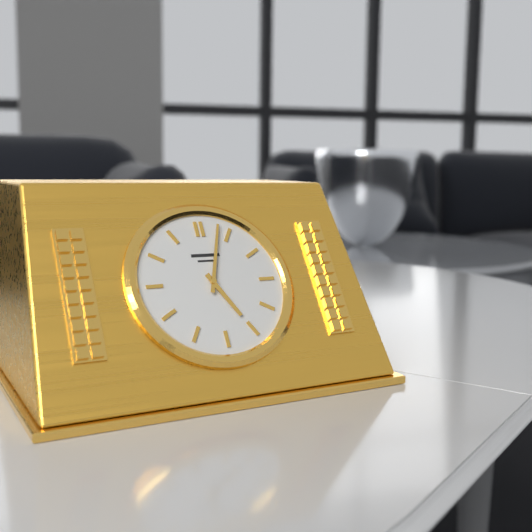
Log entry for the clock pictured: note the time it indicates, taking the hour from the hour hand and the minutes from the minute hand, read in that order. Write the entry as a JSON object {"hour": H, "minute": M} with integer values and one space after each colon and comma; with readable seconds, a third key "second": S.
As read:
{"hour": 5, "minute": 3}
